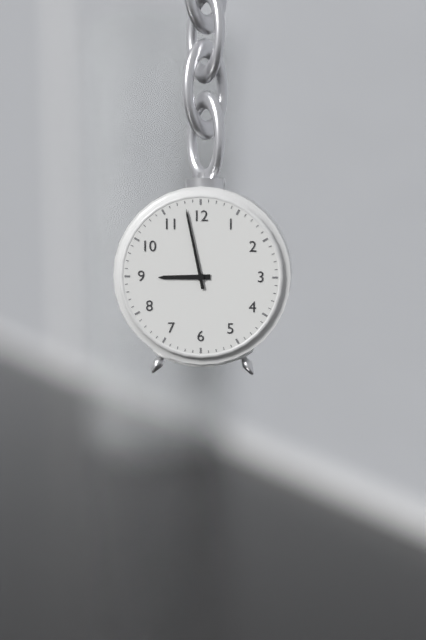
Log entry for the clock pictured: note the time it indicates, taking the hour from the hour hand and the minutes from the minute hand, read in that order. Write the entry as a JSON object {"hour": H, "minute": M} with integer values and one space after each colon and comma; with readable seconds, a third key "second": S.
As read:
{"hour": 8, "minute": 58}
